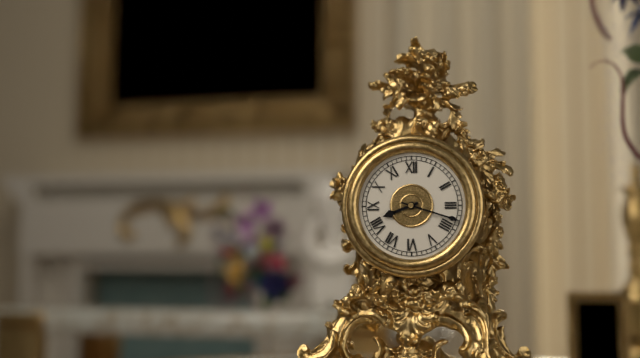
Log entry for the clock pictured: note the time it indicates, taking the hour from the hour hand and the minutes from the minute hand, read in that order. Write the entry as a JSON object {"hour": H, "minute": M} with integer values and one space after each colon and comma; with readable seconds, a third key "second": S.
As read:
{"hour": 8, "minute": 18}
